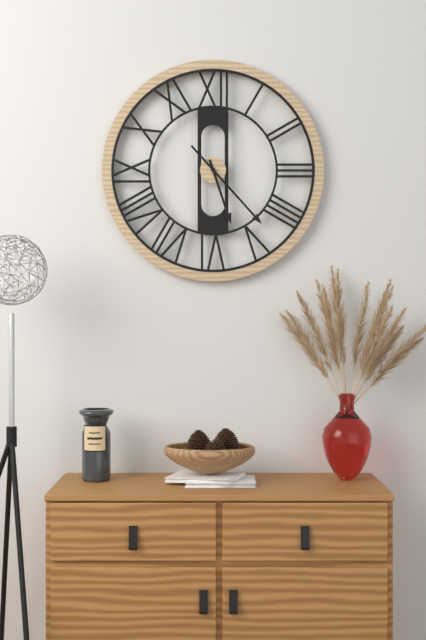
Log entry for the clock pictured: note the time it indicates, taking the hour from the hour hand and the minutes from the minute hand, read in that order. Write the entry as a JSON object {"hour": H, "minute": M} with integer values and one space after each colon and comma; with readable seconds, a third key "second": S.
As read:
{"hour": 5, "minute": 23}
